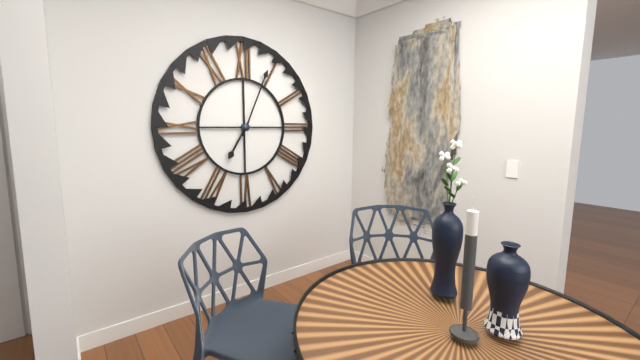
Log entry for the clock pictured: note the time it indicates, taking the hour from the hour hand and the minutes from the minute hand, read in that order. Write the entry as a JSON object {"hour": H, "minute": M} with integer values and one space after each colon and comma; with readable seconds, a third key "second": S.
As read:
{"hour": 7, "minute": 4}
